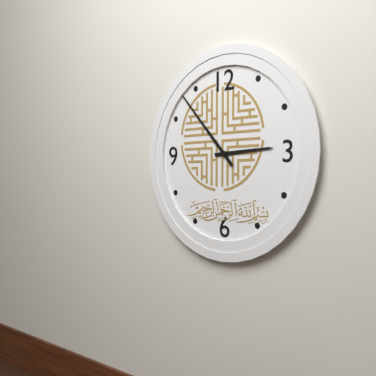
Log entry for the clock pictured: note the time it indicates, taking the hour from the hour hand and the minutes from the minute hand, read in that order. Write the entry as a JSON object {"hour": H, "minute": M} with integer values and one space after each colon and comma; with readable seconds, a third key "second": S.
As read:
{"hour": 2, "minute": 53}
